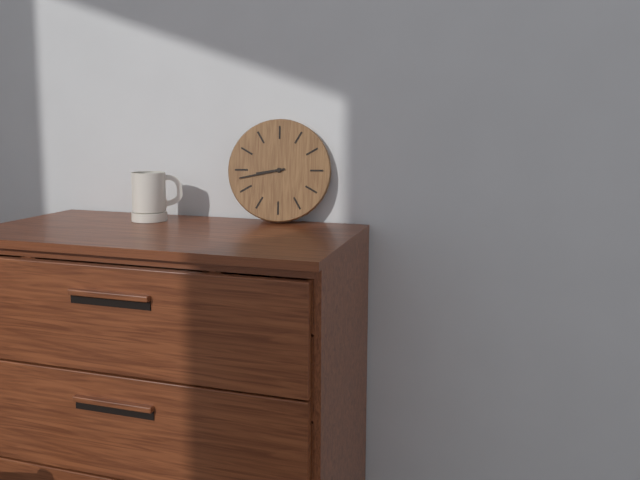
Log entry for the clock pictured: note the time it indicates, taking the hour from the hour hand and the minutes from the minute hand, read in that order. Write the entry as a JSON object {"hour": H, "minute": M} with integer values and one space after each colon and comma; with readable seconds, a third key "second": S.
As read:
{"hour": 8, "minute": 43}
